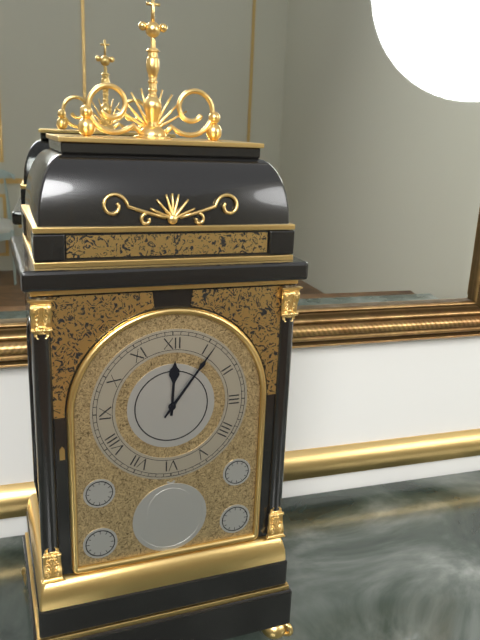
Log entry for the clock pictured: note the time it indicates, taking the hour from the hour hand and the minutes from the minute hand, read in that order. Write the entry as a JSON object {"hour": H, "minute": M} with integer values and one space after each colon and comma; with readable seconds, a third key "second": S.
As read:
{"hour": 12, "minute": 6}
